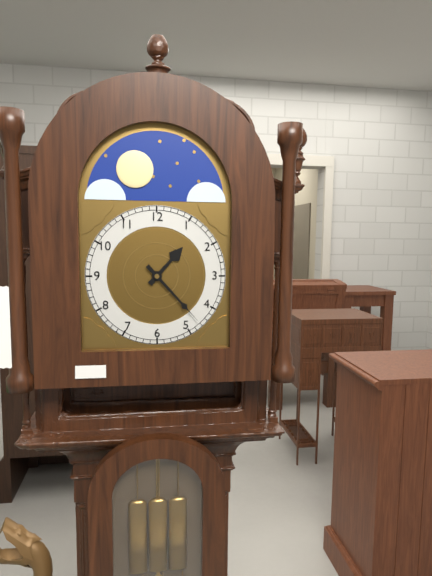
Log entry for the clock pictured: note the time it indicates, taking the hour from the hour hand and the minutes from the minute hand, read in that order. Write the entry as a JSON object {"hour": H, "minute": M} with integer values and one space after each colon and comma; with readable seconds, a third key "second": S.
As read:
{"hour": 1, "minute": 23}
